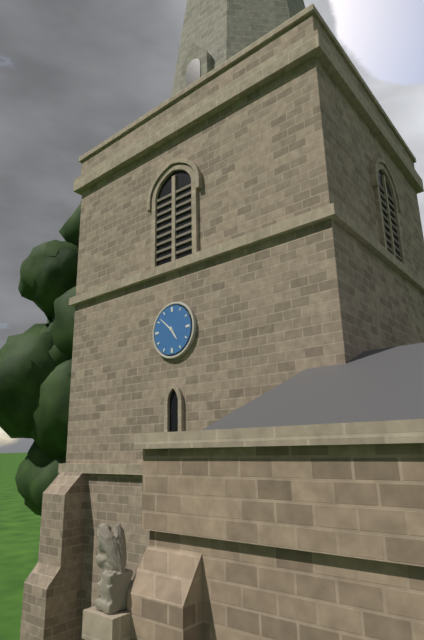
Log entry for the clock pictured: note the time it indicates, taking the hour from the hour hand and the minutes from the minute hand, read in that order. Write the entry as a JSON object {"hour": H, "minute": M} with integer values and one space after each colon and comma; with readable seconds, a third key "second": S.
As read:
{"hour": 4, "minute": 52}
